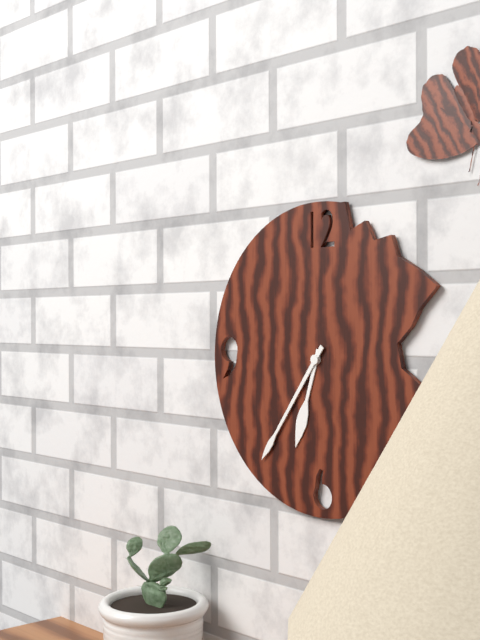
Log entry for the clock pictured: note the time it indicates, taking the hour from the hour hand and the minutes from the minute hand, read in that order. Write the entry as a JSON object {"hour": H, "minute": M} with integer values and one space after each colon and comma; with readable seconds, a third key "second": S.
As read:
{"hour": 6, "minute": 36}
